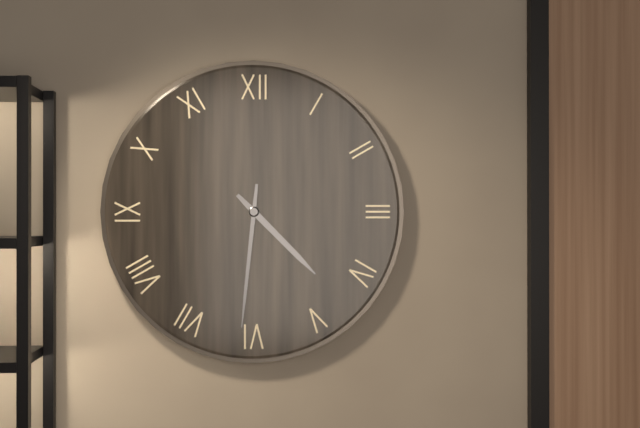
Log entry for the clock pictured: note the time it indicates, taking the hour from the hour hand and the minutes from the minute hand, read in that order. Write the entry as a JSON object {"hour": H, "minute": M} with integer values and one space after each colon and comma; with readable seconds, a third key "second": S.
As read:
{"hour": 4, "minute": 31}
